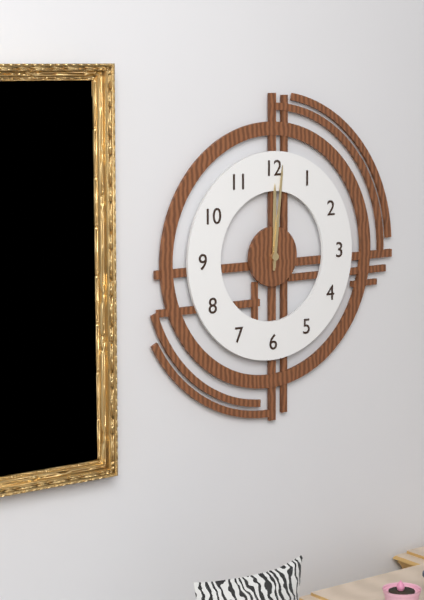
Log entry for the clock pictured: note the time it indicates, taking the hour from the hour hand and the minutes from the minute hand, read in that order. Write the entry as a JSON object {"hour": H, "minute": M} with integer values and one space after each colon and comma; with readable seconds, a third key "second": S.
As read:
{"hour": 12, "minute": 1}
